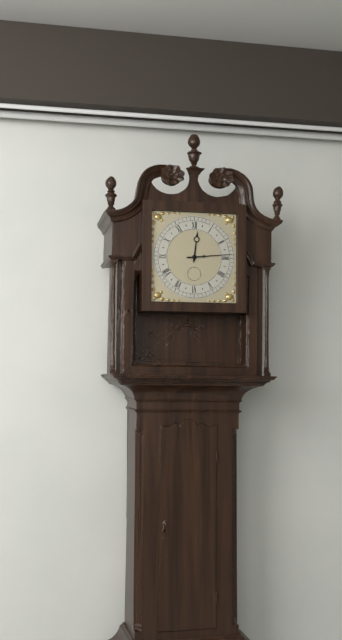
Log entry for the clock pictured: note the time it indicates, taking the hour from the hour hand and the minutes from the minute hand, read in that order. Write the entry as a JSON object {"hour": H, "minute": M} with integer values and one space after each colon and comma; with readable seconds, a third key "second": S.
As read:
{"hour": 12, "minute": 14}
